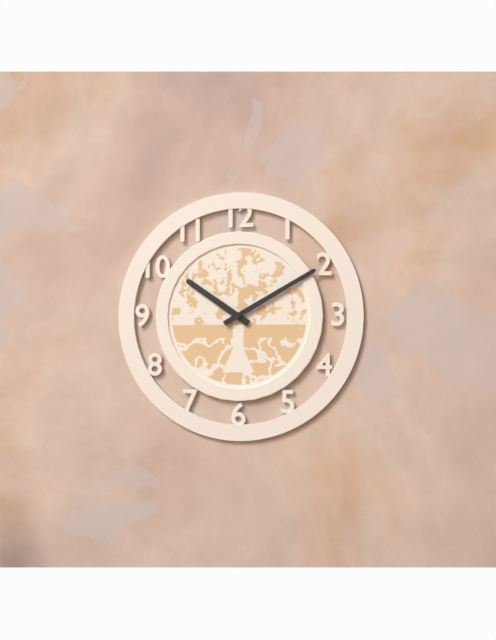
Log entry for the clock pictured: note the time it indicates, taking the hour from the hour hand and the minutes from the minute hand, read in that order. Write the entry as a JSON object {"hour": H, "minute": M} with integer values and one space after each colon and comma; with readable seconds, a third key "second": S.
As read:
{"hour": 10, "minute": 10}
